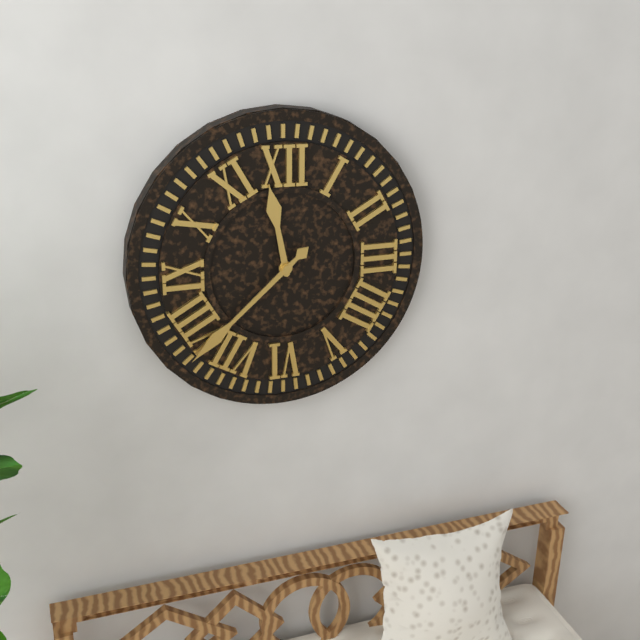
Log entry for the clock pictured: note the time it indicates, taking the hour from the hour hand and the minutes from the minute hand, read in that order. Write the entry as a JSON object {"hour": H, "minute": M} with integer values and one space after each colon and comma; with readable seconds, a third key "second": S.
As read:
{"hour": 11, "minute": 38}
